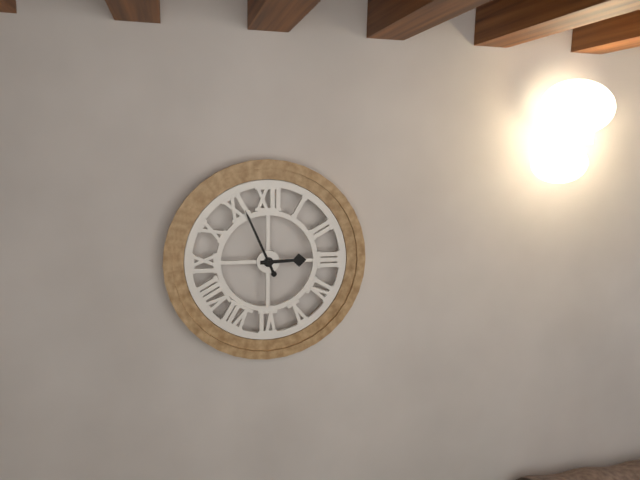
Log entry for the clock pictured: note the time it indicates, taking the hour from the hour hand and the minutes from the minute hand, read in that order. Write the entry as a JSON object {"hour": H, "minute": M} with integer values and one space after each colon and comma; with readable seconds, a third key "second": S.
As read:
{"hour": 2, "minute": 56}
